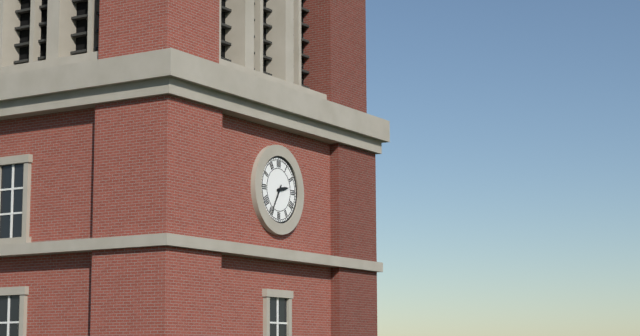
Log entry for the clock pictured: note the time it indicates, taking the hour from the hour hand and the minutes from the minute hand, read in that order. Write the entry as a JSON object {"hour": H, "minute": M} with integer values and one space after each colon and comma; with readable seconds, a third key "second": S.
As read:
{"hour": 2, "minute": 35}
